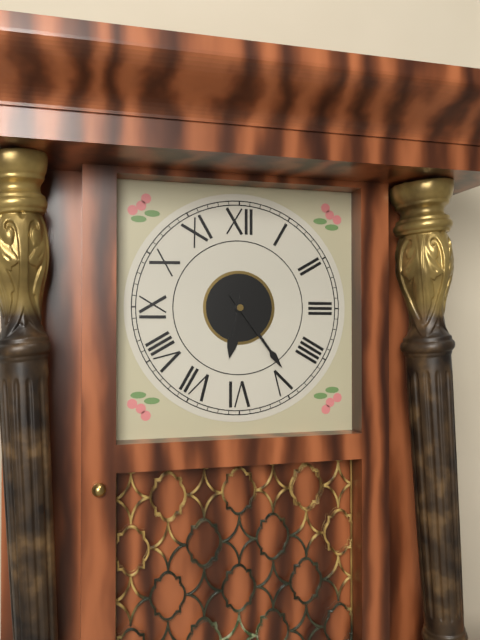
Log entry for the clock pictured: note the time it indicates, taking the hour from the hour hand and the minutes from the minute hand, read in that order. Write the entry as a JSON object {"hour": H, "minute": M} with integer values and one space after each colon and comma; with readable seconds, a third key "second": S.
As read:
{"hour": 6, "minute": 24}
